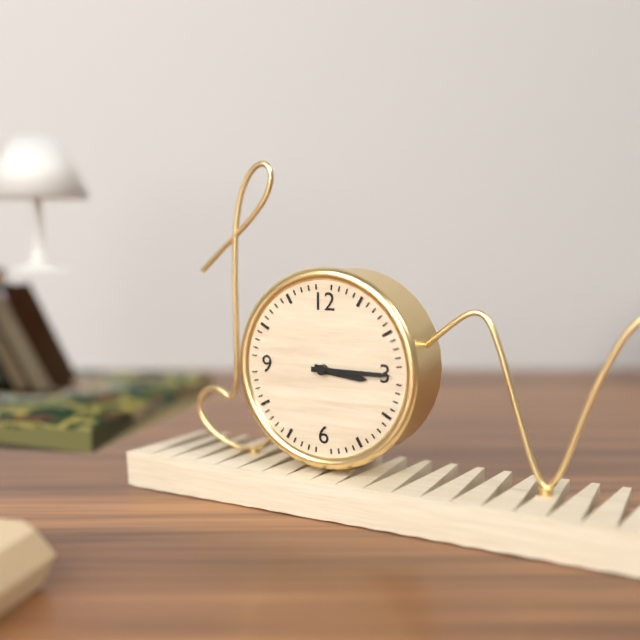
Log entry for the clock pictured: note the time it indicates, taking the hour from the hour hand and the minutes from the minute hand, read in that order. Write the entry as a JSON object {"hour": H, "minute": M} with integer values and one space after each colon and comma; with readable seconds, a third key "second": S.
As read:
{"hour": 3, "minute": 15}
